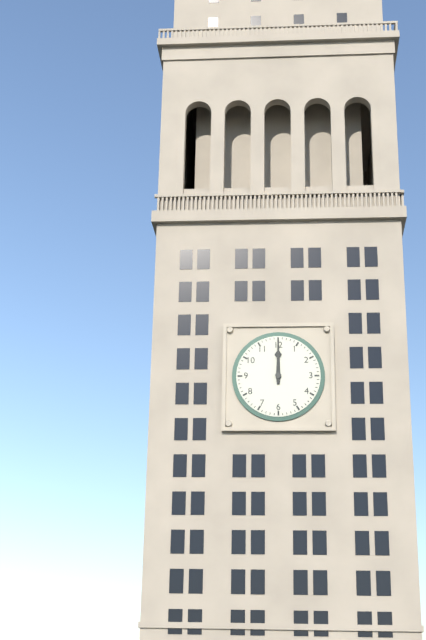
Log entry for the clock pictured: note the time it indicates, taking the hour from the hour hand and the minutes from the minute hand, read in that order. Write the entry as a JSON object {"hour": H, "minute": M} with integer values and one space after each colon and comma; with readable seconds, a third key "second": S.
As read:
{"hour": 12, "minute": 0}
